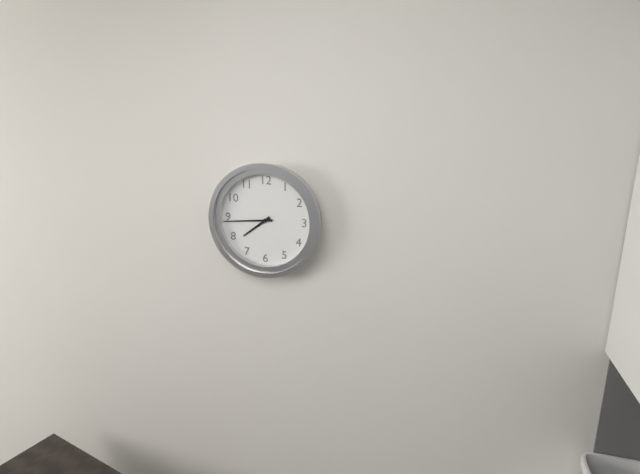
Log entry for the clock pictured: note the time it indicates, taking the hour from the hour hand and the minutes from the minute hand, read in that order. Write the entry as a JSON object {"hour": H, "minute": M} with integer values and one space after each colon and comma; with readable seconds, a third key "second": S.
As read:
{"hour": 7, "minute": 44}
